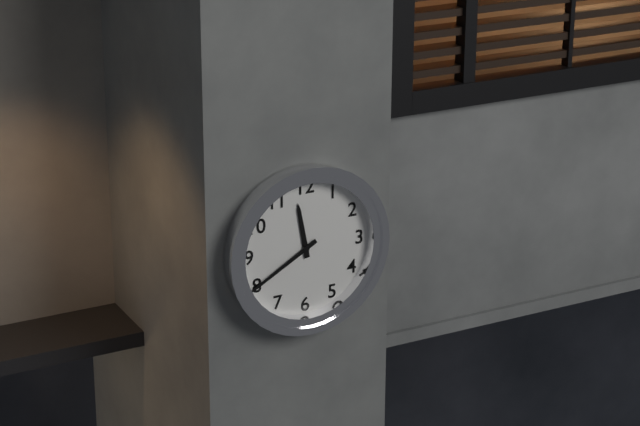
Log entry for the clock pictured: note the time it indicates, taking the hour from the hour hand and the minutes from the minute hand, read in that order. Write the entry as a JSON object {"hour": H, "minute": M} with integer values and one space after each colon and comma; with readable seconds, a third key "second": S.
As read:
{"hour": 11, "minute": 40}
